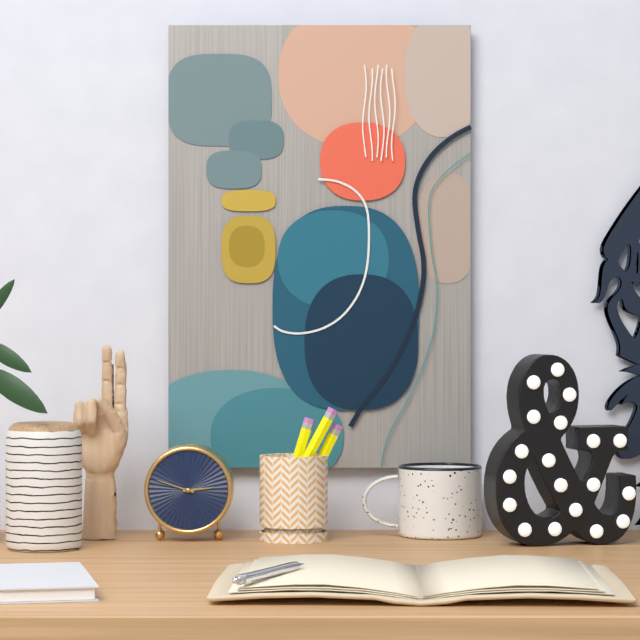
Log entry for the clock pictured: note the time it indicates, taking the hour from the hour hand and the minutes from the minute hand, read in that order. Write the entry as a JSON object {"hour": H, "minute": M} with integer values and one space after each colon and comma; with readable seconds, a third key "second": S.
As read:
{"hour": 2, "minute": 48}
